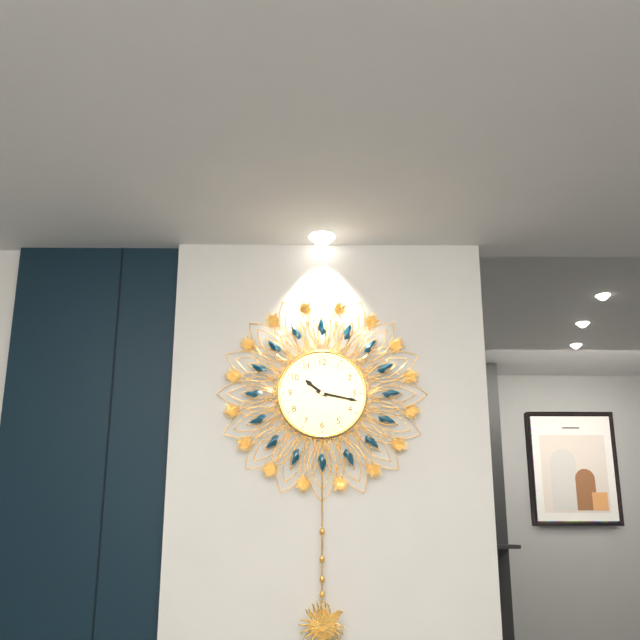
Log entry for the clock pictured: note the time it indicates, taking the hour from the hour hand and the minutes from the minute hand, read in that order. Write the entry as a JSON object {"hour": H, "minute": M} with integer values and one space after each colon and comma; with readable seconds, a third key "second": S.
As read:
{"hour": 10, "minute": 17}
